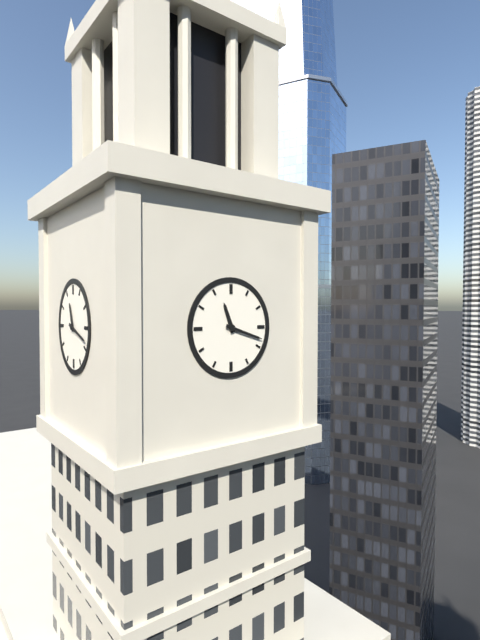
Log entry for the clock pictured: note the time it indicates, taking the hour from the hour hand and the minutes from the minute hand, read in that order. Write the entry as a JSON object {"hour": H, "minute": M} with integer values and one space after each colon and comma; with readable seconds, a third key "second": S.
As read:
{"hour": 11, "minute": 18}
